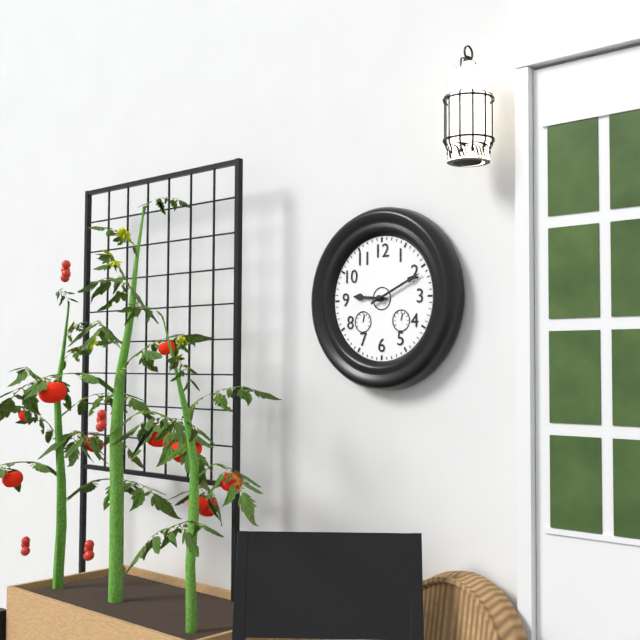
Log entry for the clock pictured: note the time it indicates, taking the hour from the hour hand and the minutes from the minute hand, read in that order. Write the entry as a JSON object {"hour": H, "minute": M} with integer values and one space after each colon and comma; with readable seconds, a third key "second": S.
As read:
{"hour": 9, "minute": 11}
